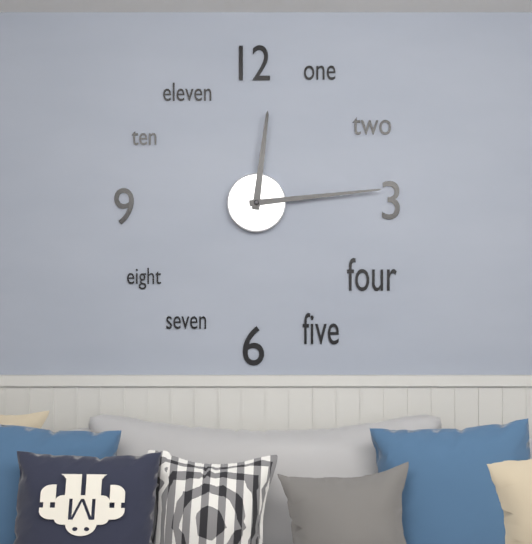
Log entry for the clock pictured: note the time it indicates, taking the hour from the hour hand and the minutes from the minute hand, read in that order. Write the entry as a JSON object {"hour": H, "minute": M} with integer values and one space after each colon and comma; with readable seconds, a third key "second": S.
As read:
{"hour": 12, "minute": 14}
